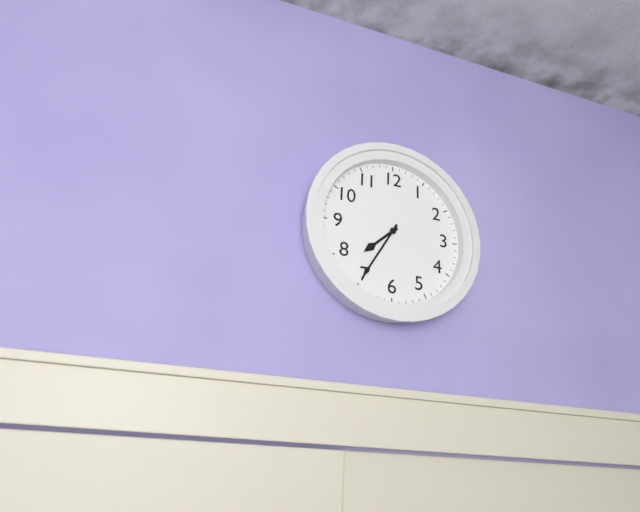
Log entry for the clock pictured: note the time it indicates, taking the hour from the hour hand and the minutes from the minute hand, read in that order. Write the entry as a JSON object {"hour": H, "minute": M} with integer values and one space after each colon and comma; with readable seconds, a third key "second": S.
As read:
{"hour": 7, "minute": 35}
